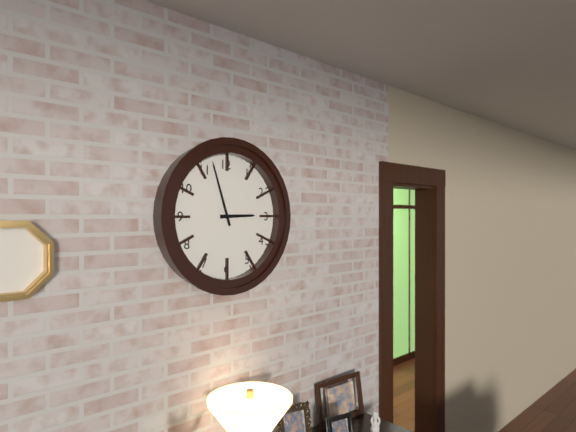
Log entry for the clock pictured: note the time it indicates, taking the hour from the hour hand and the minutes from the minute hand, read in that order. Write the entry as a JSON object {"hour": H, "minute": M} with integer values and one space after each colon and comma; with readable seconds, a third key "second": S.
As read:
{"hour": 2, "minute": 57}
